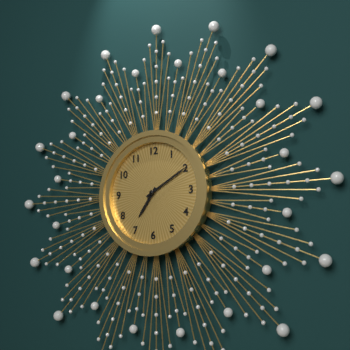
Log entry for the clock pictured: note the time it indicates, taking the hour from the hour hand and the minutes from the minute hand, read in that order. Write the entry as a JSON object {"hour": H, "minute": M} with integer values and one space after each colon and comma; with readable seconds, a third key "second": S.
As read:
{"hour": 7, "minute": 10}
